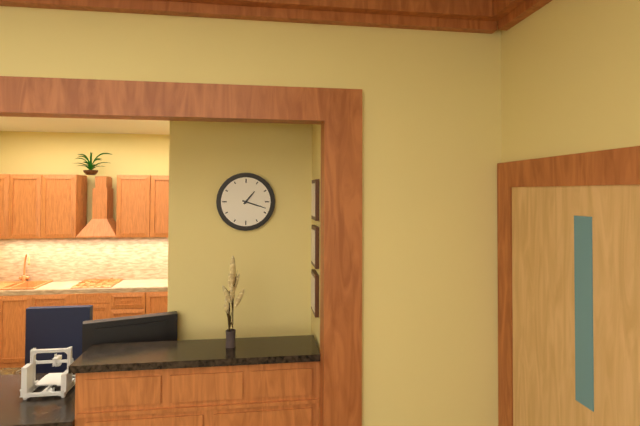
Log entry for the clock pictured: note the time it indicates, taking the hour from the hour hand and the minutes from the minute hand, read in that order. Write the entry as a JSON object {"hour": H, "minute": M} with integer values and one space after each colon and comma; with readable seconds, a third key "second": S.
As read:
{"hour": 1, "minute": 18}
